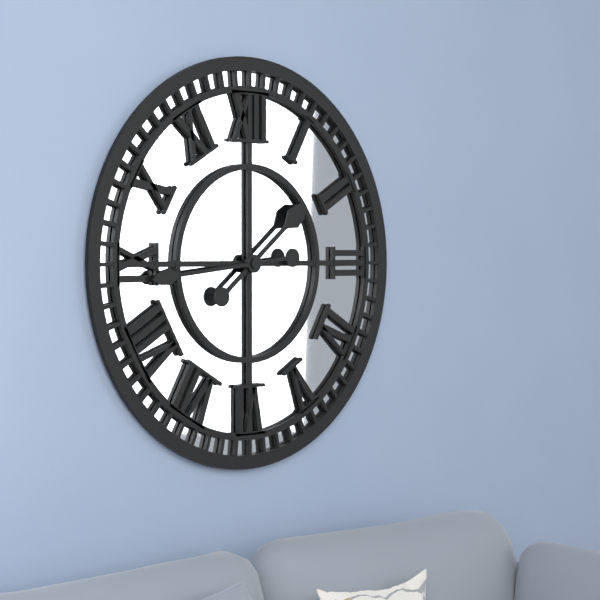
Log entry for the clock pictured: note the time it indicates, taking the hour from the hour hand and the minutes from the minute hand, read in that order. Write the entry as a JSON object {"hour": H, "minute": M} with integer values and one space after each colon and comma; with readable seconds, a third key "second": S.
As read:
{"hour": 1, "minute": 44}
